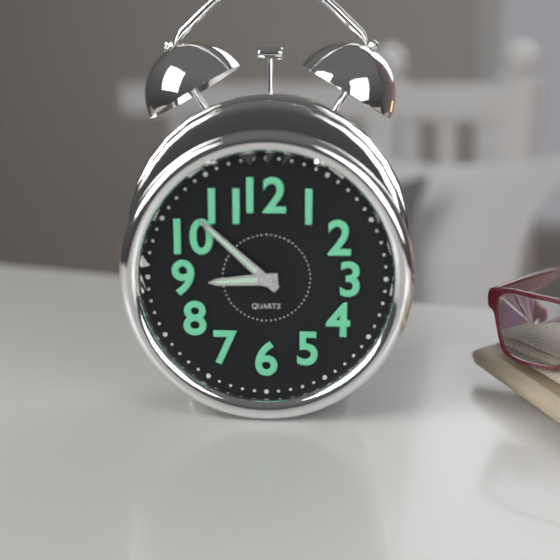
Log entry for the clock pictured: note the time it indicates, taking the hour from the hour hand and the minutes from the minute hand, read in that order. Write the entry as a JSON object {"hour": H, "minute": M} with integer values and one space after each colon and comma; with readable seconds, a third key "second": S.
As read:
{"hour": 8, "minute": 52}
